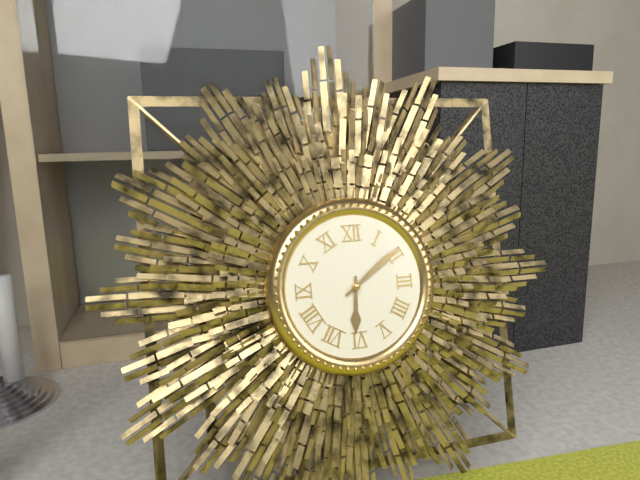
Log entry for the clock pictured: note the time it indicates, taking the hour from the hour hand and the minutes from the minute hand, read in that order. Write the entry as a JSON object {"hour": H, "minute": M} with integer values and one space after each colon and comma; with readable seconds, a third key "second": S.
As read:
{"hour": 6, "minute": 9}
